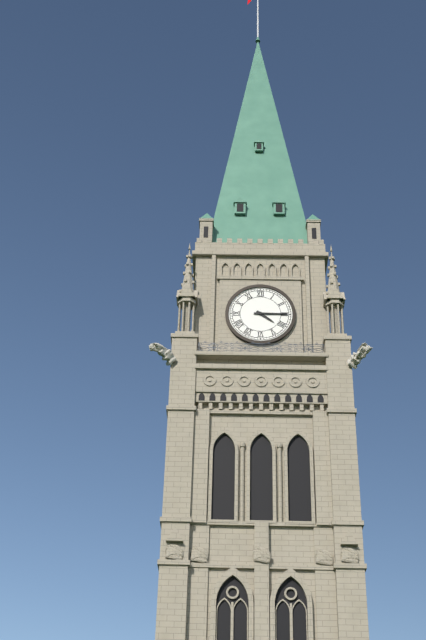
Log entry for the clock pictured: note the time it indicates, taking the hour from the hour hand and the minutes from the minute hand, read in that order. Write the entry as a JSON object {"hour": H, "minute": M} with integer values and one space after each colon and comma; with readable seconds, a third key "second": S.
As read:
{"hour": 4, "minute": 15}
